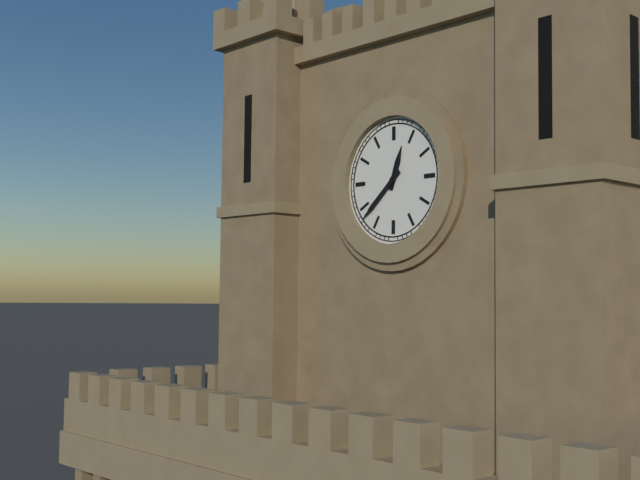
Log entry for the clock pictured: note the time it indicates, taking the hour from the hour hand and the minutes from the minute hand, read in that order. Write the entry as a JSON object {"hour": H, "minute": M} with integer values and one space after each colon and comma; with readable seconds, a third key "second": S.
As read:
{"hour": 12, "minute": 38}
